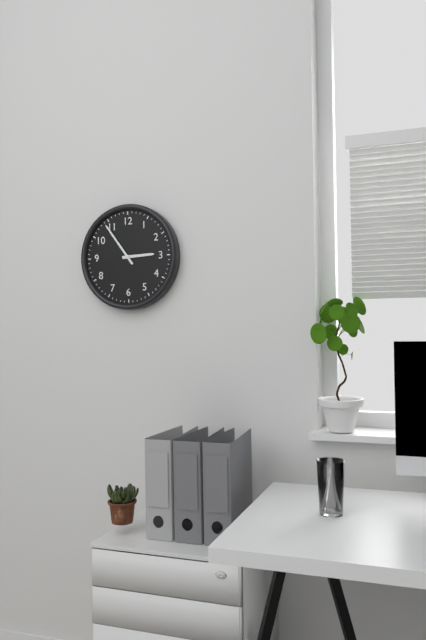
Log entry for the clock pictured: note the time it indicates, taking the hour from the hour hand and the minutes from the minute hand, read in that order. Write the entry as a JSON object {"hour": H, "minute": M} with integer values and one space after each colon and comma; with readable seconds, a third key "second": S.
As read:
{"hour": 2, "minute": 54}
